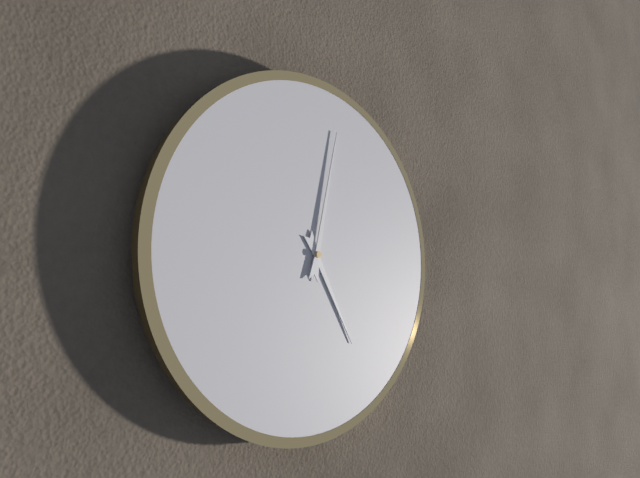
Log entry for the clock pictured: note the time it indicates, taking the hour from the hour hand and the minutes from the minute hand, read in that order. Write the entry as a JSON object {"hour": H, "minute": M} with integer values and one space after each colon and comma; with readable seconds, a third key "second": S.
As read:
{"hour": 5, "minute": 2}
